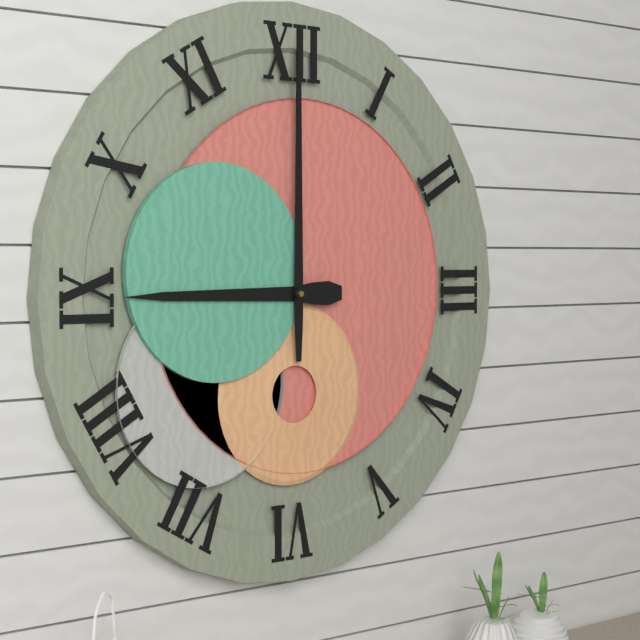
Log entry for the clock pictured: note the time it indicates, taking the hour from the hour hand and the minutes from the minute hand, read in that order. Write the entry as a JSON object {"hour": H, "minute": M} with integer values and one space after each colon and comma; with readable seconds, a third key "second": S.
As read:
{"hour": 9, "minute": 0}
